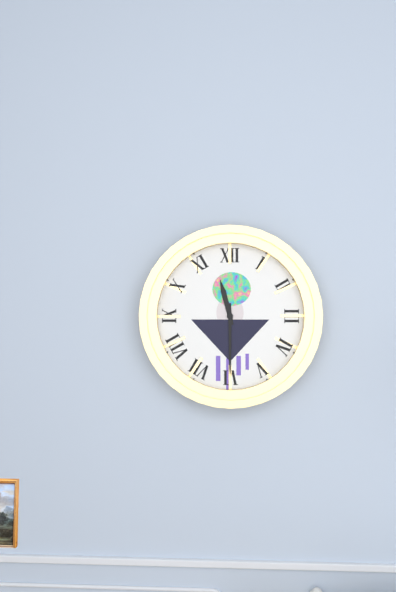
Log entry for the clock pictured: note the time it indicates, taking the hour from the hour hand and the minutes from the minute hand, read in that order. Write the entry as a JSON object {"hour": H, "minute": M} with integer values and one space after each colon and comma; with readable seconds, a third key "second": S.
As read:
{"hour": 11, "minute": 30}
